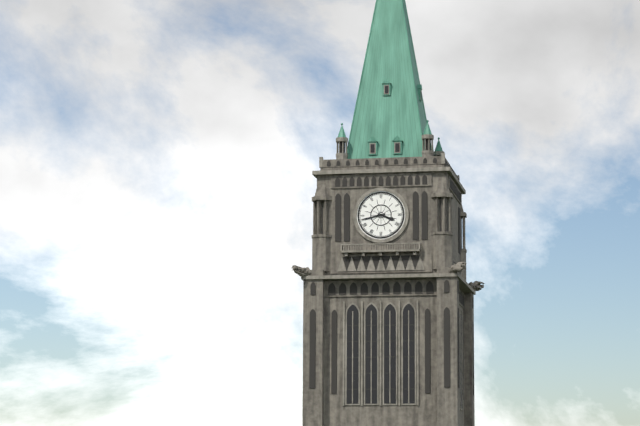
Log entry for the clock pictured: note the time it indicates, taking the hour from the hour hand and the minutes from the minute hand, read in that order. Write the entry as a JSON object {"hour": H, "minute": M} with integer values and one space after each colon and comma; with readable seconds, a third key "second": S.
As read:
{"hour": 3, "minute": 43}
